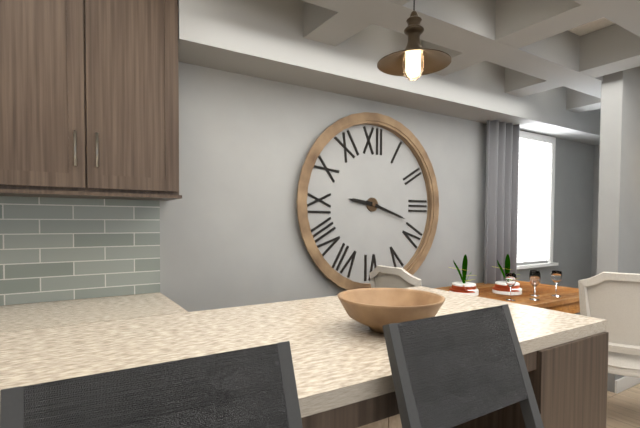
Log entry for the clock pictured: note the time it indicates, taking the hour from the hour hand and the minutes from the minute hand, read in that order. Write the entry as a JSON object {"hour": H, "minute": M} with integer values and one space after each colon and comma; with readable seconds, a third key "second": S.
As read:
{"hour": 9, "minute": 18}
